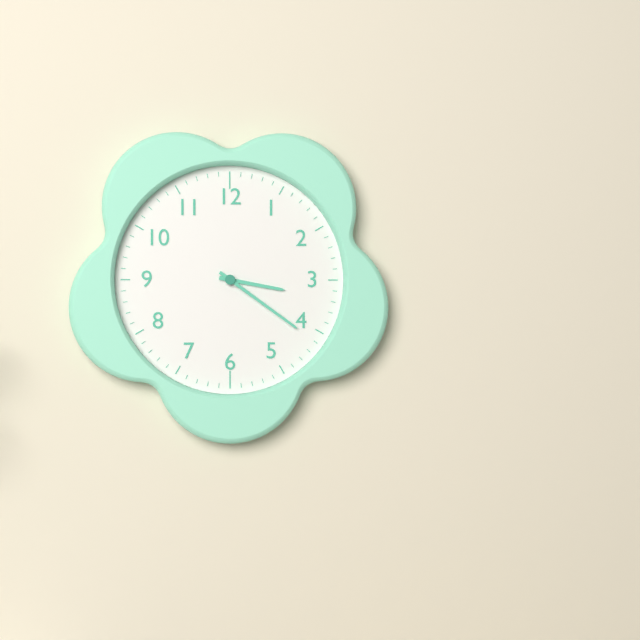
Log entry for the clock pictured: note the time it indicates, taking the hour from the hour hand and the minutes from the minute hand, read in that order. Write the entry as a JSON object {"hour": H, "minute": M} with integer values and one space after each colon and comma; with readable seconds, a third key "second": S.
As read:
{"hour": 3, "minute": 21}
